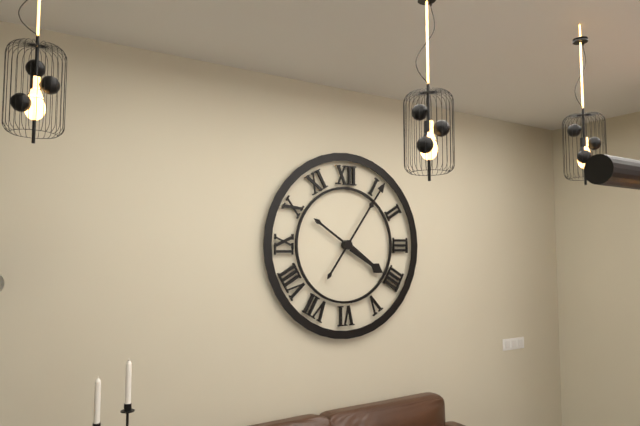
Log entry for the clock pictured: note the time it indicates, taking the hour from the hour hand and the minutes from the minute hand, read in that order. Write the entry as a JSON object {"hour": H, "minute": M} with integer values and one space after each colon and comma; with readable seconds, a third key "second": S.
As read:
{"hour": 4, "minute": 6}
